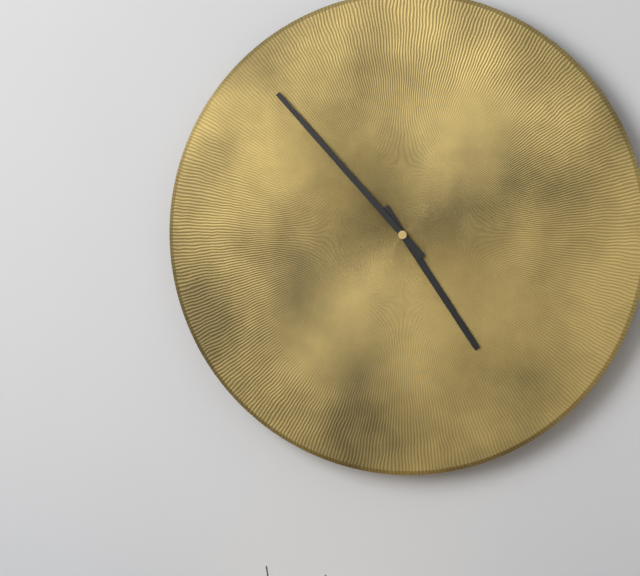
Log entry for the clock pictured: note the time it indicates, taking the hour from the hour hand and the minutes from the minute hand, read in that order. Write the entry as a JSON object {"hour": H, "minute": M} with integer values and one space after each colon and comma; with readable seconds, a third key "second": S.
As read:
{"hour": 4, "minute": 53}
